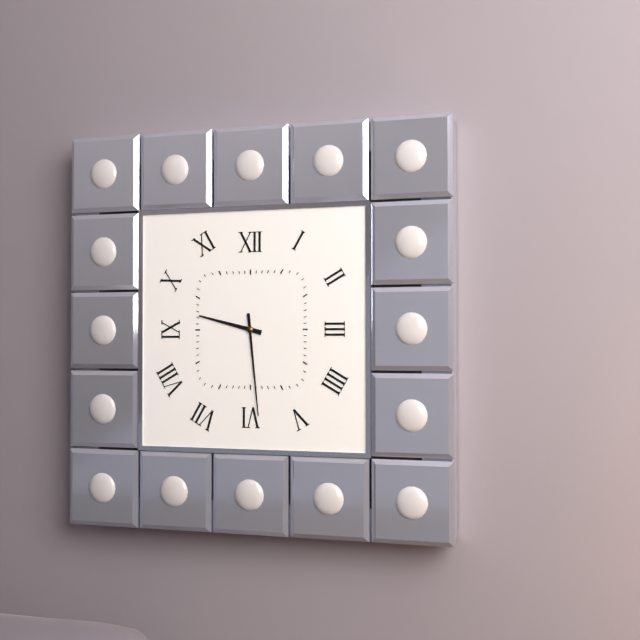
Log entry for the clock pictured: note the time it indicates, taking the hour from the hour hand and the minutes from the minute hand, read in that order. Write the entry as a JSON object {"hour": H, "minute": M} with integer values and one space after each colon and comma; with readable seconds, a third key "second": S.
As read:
{"hour": 9, "minute": 29}
